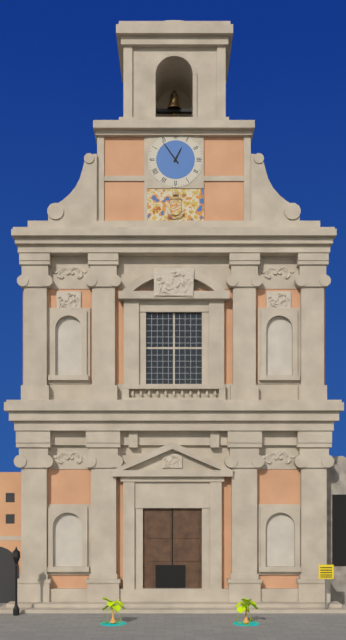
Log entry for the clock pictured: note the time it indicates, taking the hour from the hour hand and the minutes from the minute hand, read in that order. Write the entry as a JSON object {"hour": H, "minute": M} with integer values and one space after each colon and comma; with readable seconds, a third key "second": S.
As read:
{"hour": 12, "minute": 54}
